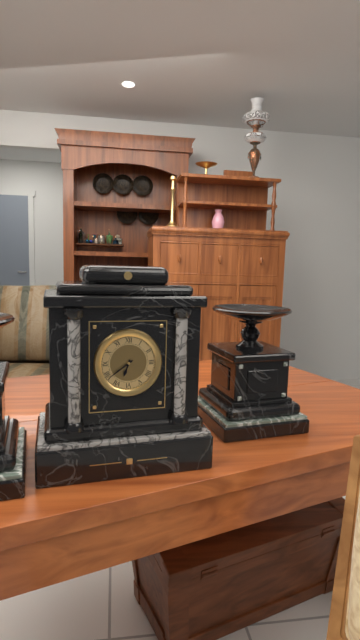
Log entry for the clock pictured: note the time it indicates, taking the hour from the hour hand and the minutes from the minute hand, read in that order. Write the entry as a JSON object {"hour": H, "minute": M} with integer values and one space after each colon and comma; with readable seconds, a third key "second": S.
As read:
{"hour": 6, "minute": 39}
